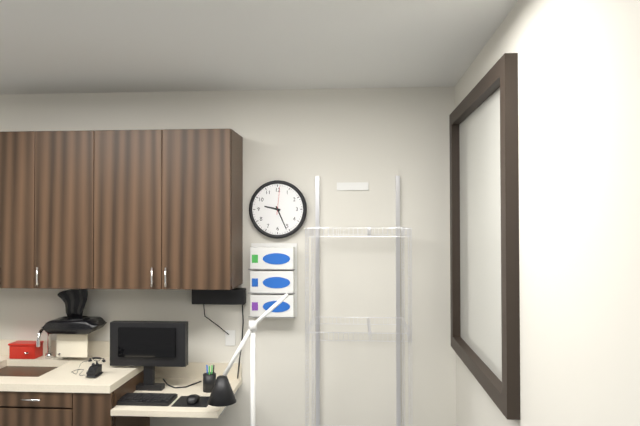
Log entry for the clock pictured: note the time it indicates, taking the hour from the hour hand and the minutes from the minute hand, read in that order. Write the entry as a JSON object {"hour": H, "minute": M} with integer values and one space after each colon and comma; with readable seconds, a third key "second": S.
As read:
{"hour": 9, "minute": 26}
